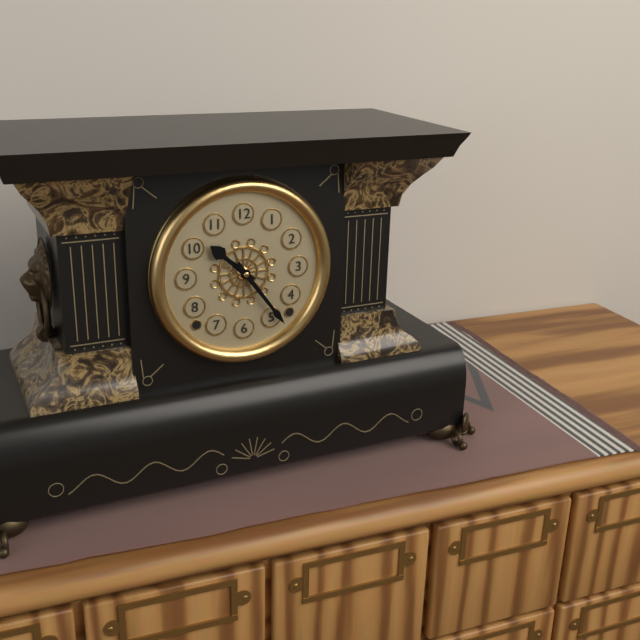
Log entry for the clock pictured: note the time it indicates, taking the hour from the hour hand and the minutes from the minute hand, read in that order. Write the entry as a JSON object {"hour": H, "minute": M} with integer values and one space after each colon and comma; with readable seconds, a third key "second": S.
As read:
{"hour": 10, "minute": 24}
